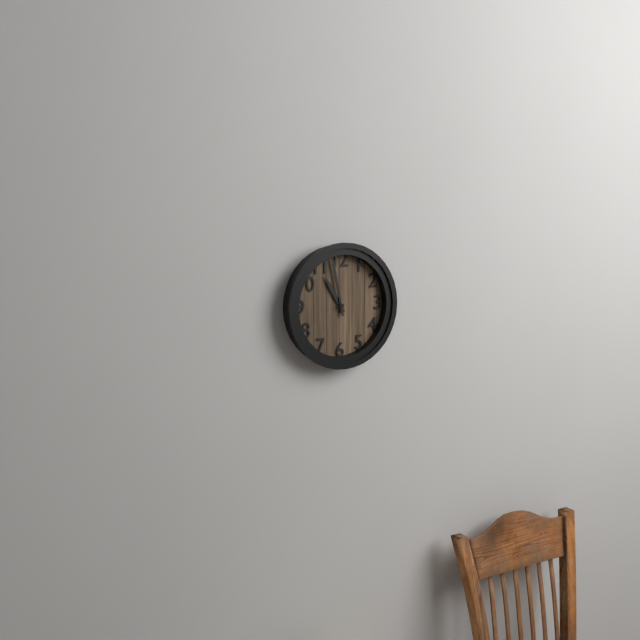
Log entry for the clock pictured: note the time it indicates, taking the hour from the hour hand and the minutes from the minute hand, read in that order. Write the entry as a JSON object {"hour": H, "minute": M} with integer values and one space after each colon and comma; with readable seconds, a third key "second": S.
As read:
{"hour": 10, "minute": 58}
